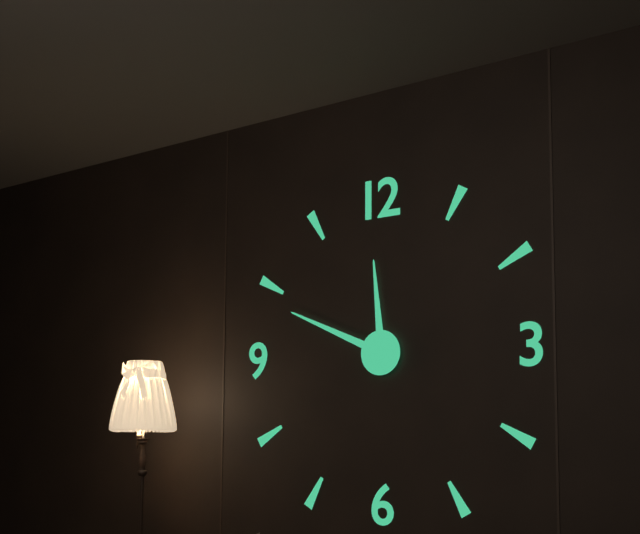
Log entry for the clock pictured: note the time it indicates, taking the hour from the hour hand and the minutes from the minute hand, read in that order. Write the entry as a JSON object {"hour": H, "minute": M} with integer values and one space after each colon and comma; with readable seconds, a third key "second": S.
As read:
{"hour": 11, "minute": 49}
